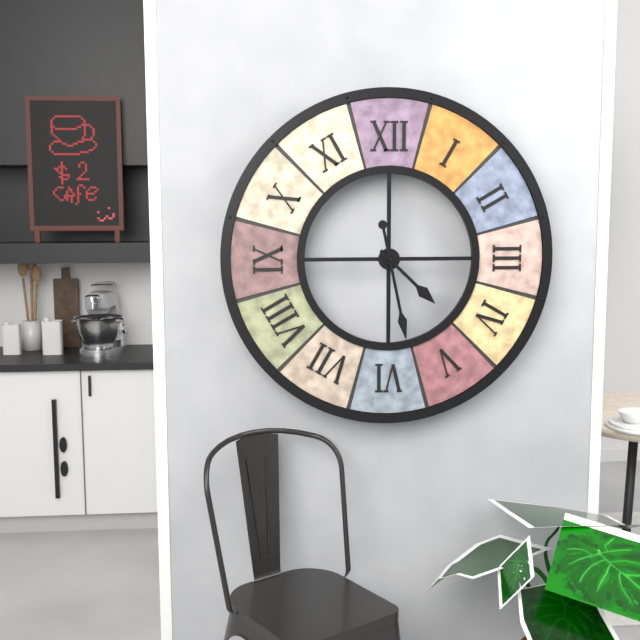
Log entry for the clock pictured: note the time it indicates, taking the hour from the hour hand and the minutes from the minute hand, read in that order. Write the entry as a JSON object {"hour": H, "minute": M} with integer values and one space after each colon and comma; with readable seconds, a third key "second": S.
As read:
{"hour": 4, "minute": 28}
